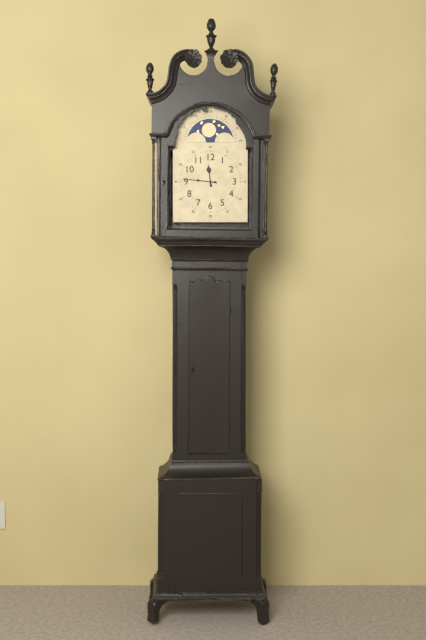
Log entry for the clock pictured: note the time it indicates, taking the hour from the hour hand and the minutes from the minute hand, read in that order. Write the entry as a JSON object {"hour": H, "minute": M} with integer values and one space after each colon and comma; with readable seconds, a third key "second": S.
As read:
{"hour": 11, "minute": 46}
